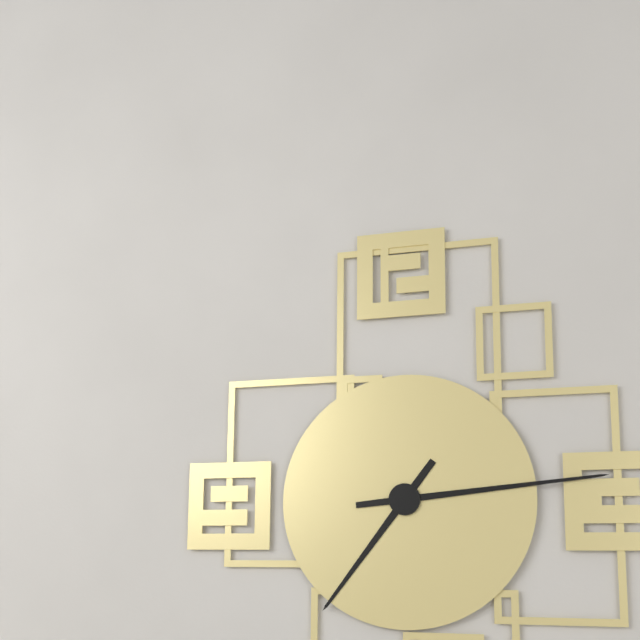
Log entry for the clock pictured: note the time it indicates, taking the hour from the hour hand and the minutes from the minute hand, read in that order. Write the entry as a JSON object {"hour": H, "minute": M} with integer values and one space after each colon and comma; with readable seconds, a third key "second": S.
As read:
{"hour": 7, "minute": 14}
